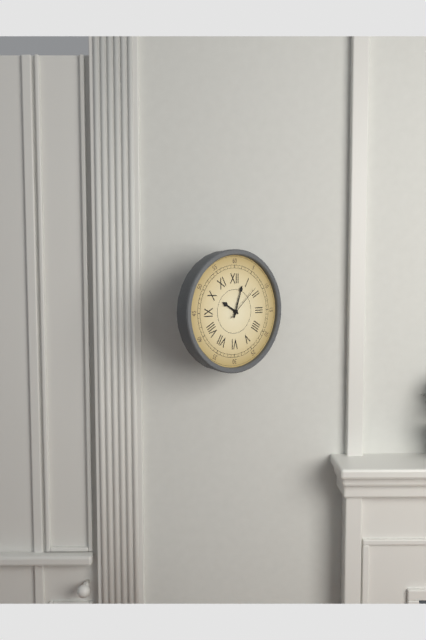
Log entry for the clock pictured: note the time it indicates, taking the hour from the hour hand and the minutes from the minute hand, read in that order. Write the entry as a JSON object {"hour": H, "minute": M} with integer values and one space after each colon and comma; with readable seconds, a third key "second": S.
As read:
{"hour": 10, "minute": 3}
